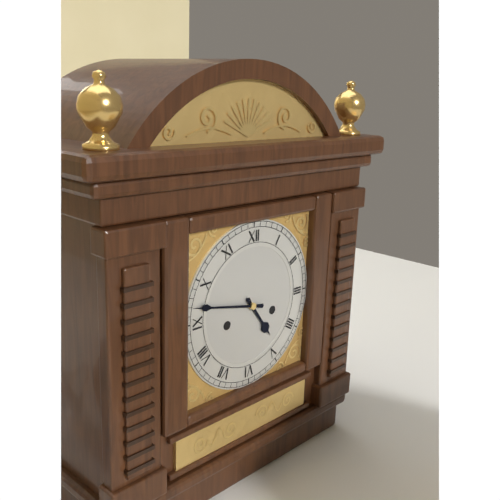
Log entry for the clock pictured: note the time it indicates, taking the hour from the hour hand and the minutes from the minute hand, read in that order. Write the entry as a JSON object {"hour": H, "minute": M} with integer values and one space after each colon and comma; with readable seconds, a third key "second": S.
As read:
{"hour": 4, "minute": 47}
